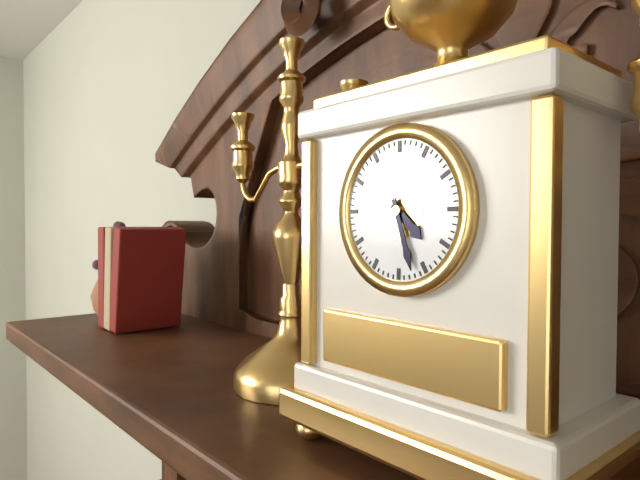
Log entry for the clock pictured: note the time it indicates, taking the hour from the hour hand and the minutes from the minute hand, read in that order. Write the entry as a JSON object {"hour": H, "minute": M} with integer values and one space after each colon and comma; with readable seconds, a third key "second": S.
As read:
{"hour": 4, "minute": 27}
